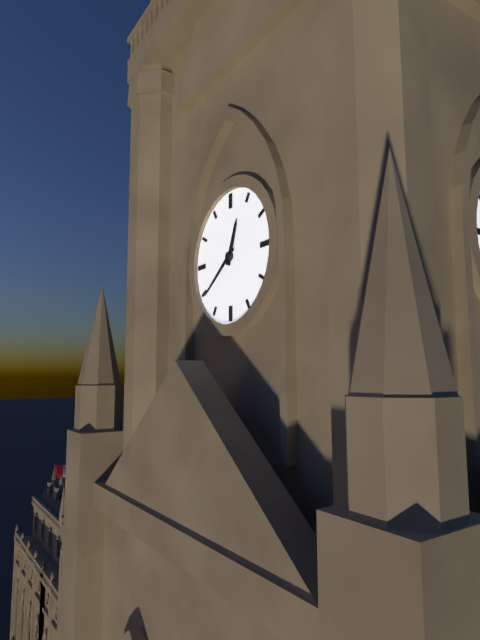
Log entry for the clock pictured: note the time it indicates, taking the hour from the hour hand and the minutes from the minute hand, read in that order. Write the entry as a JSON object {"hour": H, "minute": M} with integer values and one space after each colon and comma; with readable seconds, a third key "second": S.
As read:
{"hour": 12, "minute": 39}
